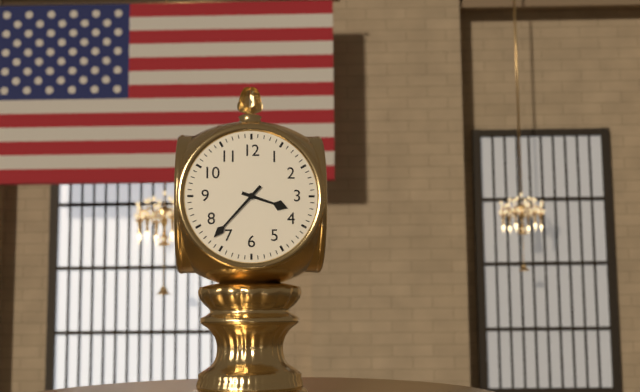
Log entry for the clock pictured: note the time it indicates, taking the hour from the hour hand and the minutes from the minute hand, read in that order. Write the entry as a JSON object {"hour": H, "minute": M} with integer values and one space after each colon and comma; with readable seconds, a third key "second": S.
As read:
{"hour": 3, "minute": 37}
